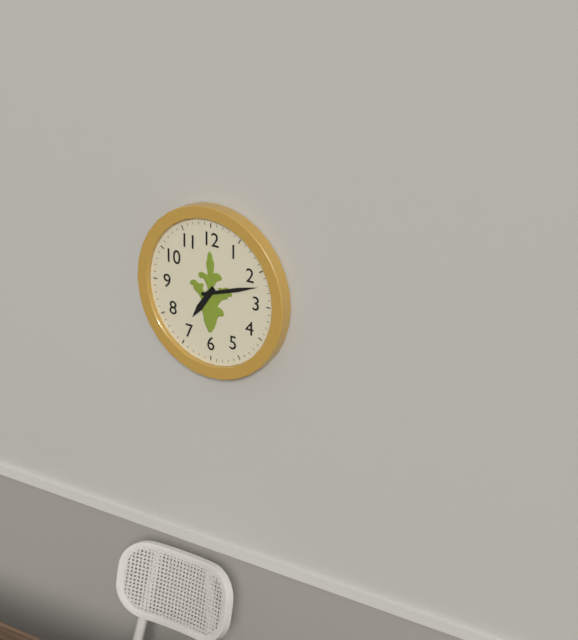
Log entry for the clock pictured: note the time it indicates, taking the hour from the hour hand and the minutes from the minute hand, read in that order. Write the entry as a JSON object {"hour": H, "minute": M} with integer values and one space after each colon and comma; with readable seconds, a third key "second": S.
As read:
{"hour": 7, "minute": 12}
